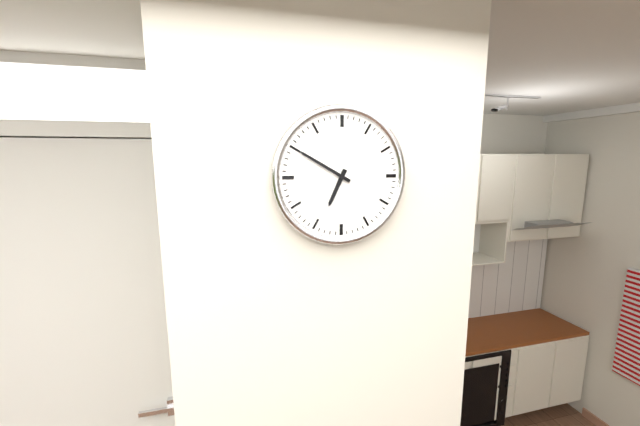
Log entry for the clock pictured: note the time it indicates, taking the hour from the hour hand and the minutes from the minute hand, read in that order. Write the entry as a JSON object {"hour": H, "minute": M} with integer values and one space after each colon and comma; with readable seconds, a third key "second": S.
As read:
{"hour": 6, "minute": 50}
